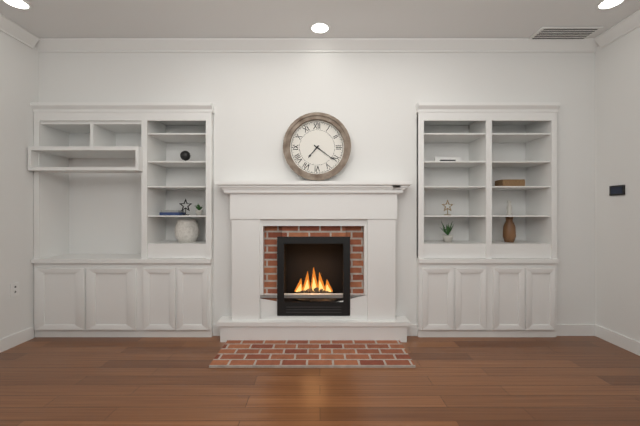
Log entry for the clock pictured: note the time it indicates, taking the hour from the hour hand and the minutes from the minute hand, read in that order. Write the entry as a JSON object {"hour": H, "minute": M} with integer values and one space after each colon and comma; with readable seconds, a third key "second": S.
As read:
{"hour": 7, "minute": 21}
